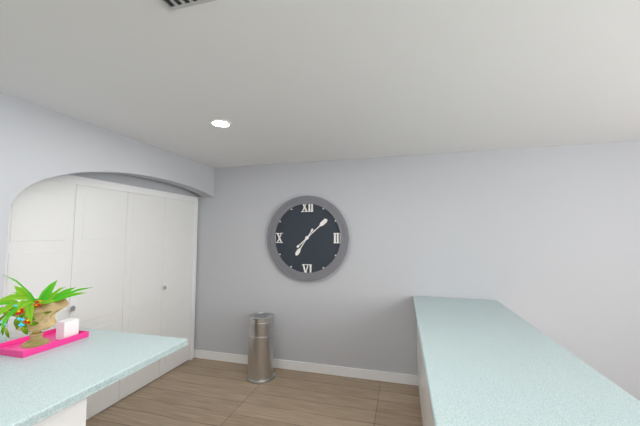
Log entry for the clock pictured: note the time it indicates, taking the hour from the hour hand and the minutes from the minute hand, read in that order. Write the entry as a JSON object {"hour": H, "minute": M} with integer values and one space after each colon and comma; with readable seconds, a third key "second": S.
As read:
{"hour": 7, "minute": 8}
